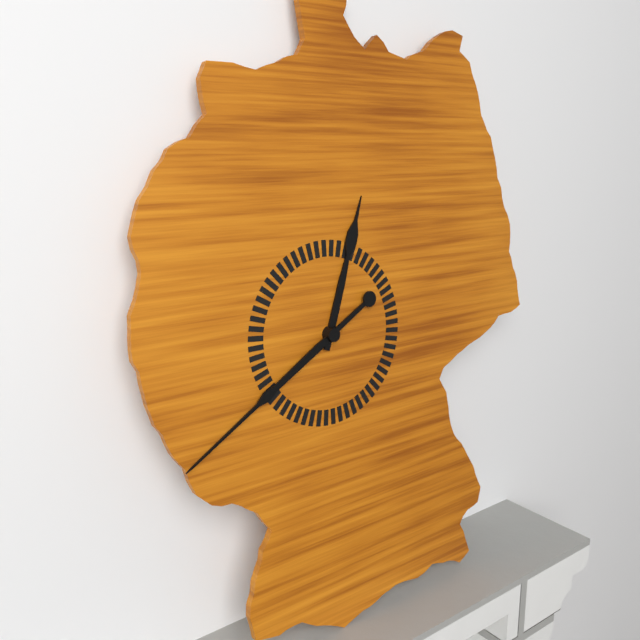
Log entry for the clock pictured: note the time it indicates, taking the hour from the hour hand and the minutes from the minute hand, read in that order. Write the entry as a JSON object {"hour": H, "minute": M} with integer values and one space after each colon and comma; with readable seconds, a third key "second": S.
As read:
{"hour": 12, "minute": 40}
